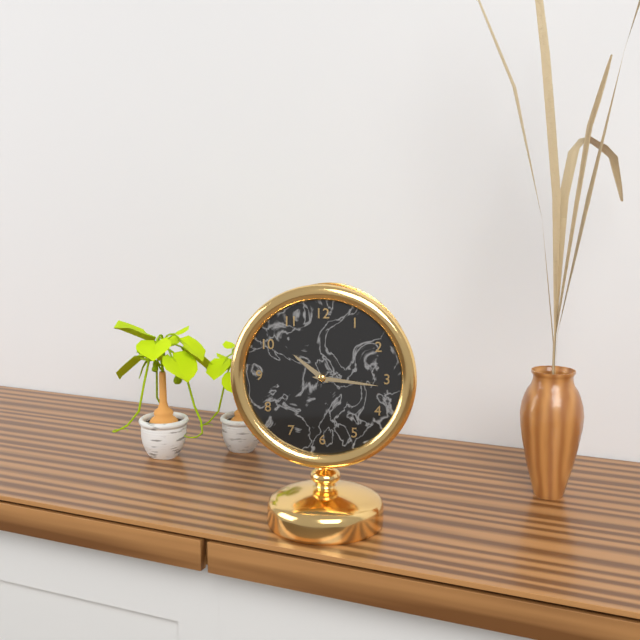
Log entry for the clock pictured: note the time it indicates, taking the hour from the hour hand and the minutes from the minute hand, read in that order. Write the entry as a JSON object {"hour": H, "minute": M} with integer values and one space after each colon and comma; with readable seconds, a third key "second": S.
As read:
{"hour": 10, "minute": 16}
